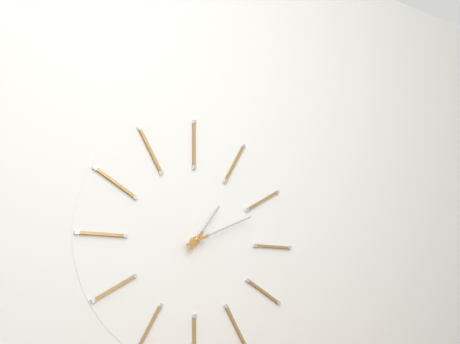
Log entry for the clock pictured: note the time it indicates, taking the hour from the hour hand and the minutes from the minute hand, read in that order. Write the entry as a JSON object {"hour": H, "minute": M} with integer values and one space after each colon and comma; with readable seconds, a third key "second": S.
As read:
{"hour": 1, "minute": 11}
